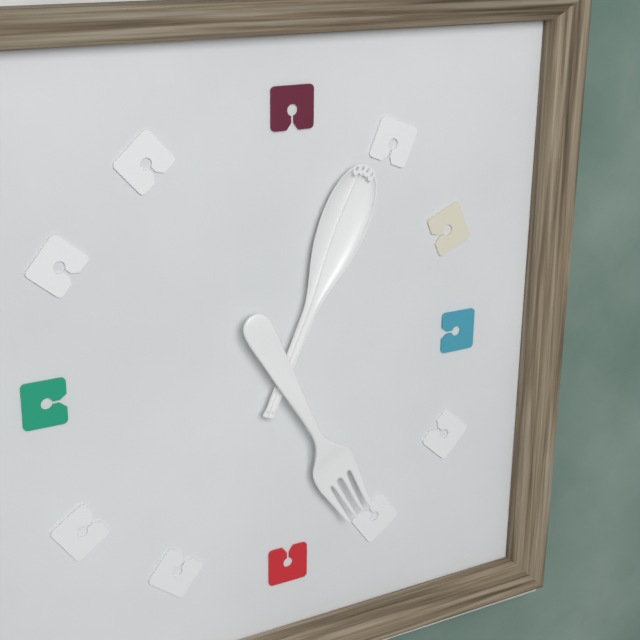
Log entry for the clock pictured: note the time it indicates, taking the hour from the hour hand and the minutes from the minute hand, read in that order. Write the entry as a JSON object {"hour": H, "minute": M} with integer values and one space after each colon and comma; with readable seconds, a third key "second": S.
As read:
{"hour": 5, "minute": 4}
